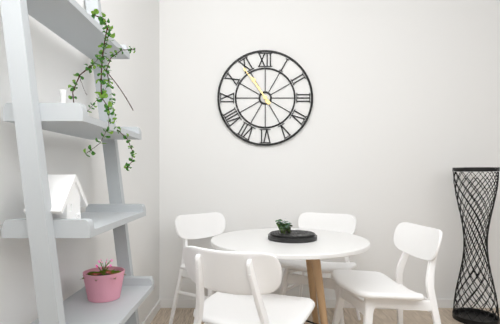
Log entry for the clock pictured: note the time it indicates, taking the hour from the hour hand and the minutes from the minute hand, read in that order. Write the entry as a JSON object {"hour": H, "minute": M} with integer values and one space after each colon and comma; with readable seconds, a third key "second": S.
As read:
{"hour": 10, "minute": 54}
